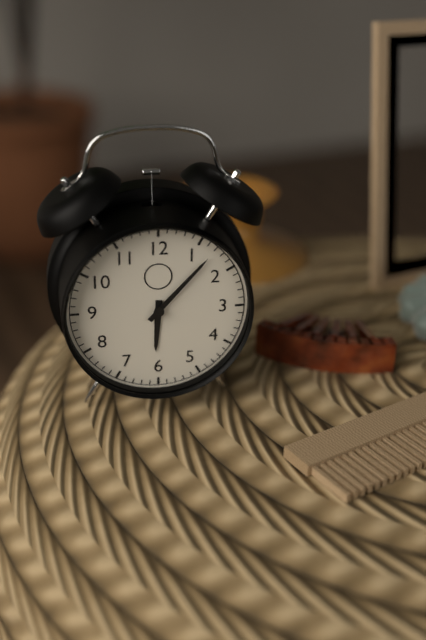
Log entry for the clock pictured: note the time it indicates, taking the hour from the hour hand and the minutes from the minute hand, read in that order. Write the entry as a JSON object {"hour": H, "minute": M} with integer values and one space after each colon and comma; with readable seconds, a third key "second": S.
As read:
{"hour": 6, "minute": 7}
